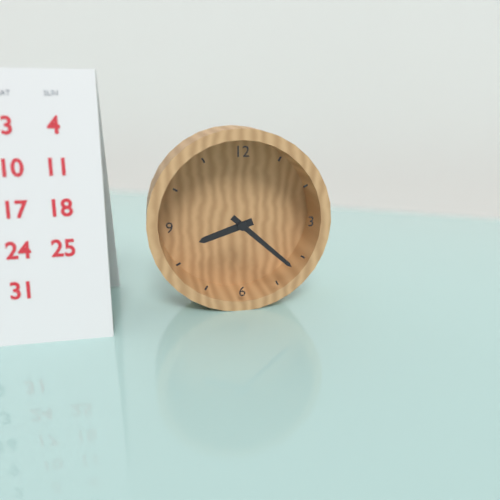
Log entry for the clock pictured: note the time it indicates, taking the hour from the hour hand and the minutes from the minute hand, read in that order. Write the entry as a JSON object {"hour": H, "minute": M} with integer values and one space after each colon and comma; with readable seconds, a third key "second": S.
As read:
{"hour": 8, "minute": 22}
